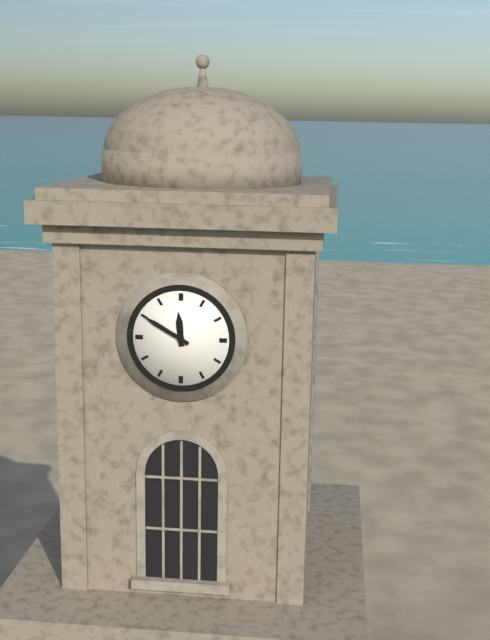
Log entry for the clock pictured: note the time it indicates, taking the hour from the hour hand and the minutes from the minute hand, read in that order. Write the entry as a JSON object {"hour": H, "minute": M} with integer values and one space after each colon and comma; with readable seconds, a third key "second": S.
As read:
{"hour": 11, "minute": 50}
